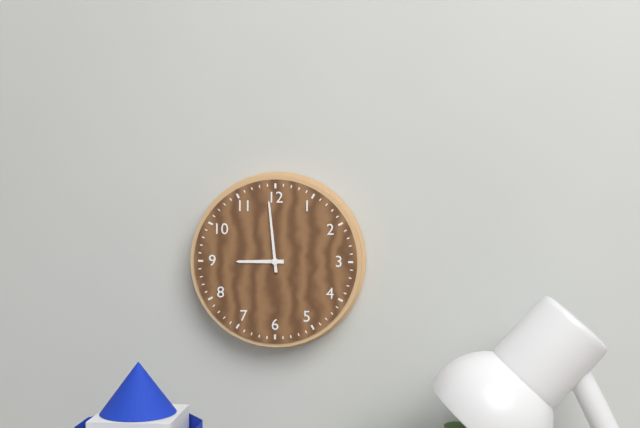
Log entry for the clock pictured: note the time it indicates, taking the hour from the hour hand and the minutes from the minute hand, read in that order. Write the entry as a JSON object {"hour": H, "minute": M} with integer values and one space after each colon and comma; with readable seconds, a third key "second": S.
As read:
{"hour": 8, "minute": 59}
